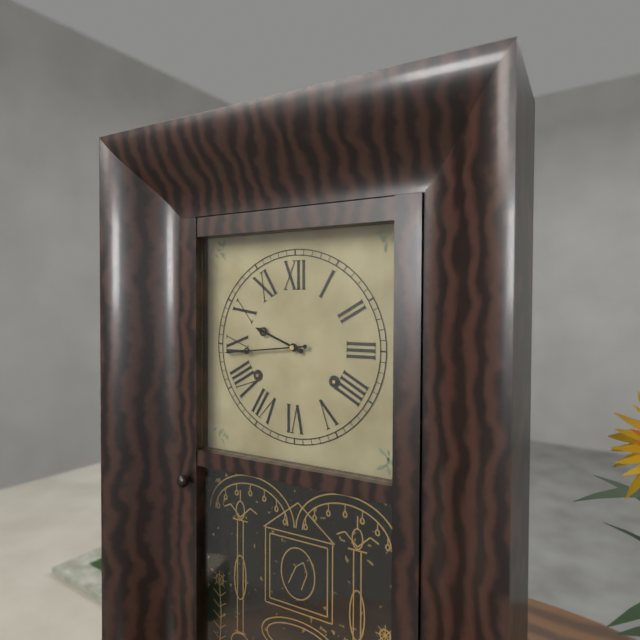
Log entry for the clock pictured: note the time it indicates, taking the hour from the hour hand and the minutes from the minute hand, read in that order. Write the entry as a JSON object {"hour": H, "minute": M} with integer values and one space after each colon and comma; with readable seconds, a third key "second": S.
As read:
{"hour": 9, "minute": 44}
